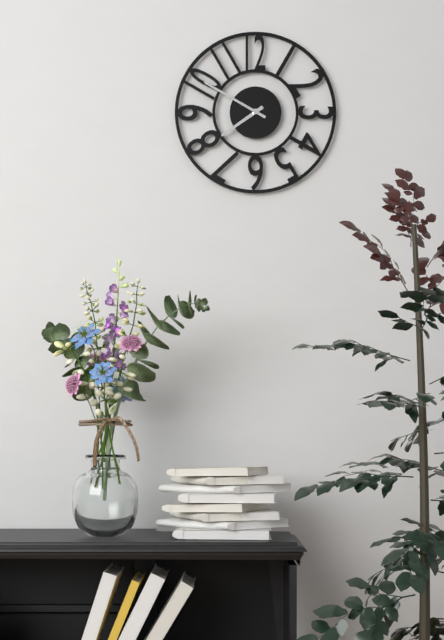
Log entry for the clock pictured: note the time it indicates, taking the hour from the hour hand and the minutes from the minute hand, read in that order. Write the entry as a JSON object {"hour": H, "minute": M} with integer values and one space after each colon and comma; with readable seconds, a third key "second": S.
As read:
{"hour": 7, "minute": 50}
